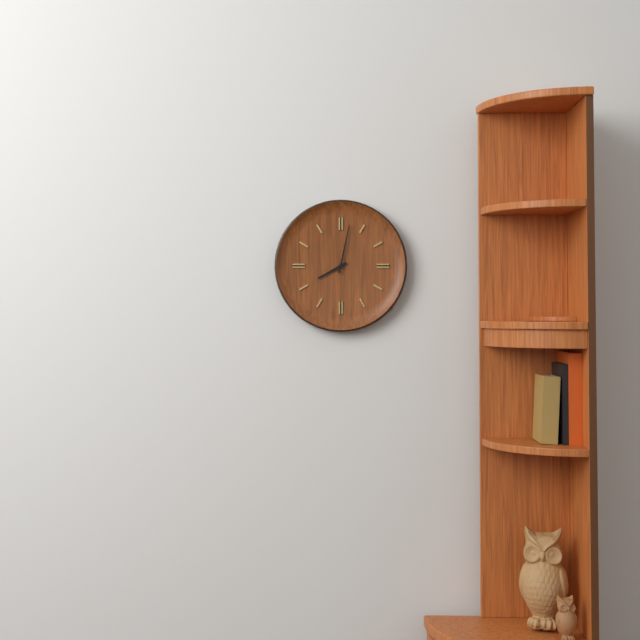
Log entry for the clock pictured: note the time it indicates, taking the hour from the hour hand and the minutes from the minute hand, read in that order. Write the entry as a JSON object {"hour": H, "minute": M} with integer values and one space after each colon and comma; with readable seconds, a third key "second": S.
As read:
{"hour": 8, "minute": 2}
